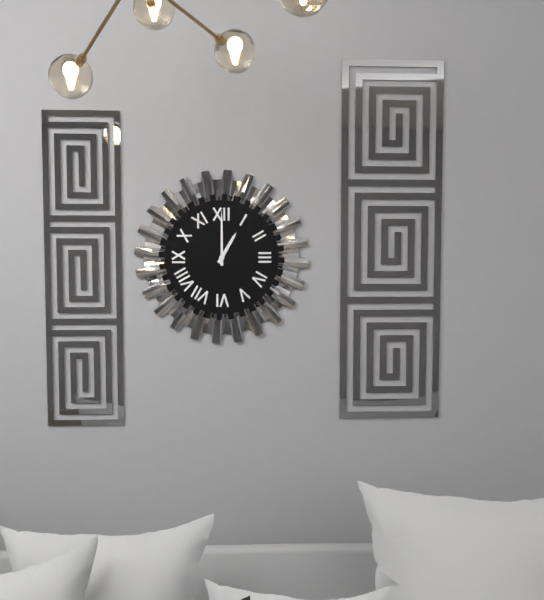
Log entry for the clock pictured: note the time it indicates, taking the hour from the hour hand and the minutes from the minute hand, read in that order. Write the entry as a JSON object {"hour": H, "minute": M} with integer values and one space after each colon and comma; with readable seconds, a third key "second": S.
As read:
{"hour": 1, "minute": 0}
